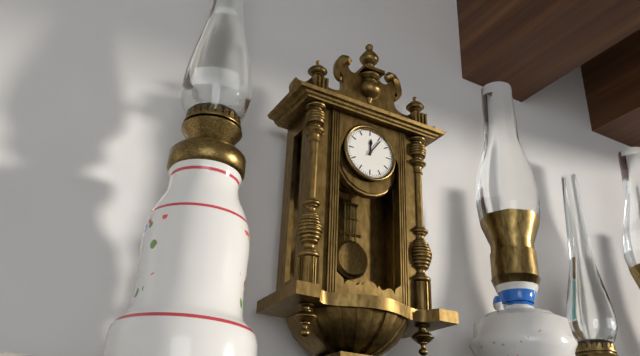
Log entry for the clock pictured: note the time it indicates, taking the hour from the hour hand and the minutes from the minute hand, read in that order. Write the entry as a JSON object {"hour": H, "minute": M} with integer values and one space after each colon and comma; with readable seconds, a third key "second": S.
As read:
{"hour": 12, "minute": 6}
